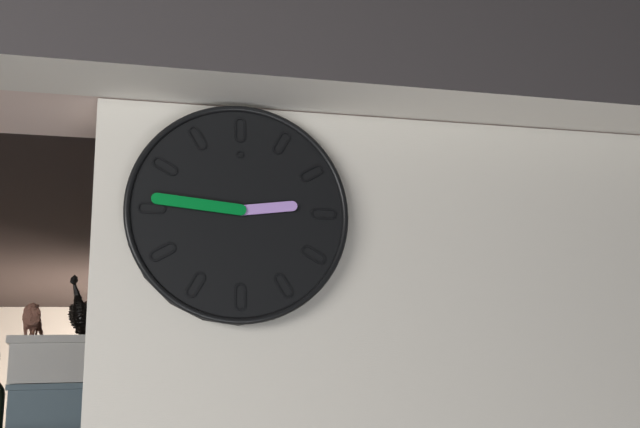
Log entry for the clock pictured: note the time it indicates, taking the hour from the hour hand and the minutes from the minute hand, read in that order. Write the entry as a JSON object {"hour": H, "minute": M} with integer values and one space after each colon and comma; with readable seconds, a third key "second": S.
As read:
{"hour": 2, "minute": 46}
